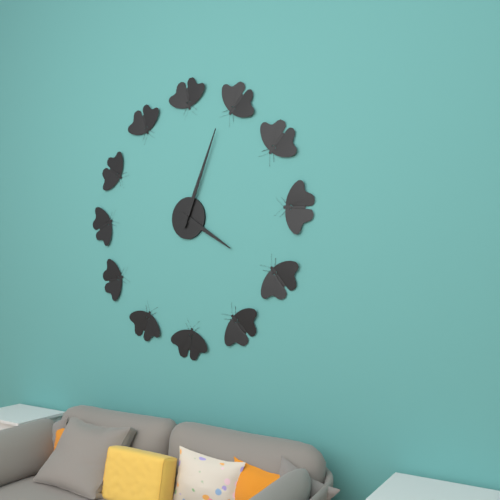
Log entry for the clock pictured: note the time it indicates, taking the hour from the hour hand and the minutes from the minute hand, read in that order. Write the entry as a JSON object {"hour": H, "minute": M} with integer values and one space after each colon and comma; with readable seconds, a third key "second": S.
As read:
{"hour": 4, "minute": 4}
